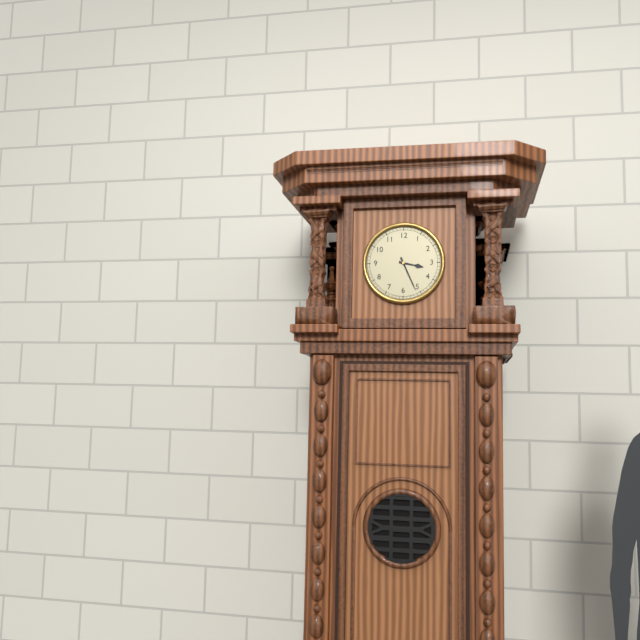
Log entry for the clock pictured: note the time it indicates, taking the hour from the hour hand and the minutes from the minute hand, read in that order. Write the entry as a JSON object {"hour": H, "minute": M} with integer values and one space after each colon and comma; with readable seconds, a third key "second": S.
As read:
{"hour": 3, "minute": 26}
